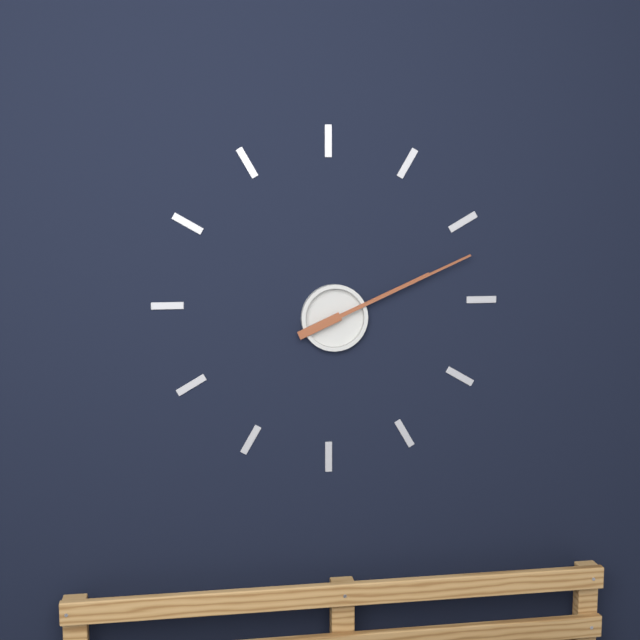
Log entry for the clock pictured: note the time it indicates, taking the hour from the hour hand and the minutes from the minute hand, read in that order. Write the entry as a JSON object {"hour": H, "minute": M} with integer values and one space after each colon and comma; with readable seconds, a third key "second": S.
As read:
{"hour": 2, "minute": 11}
